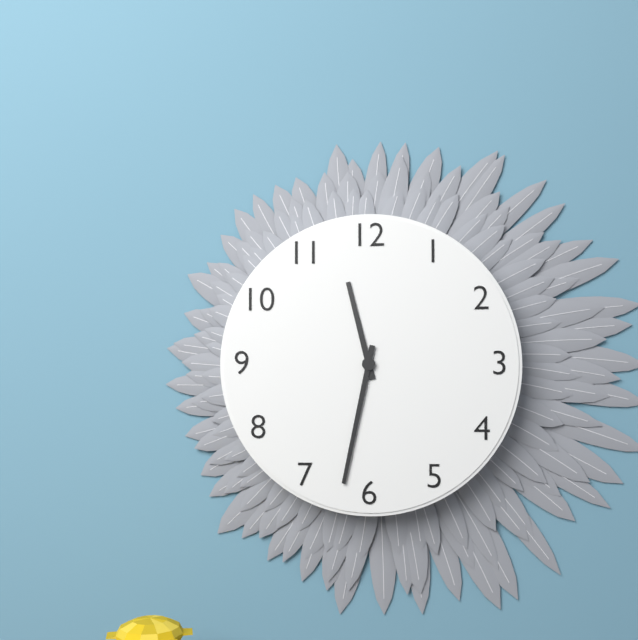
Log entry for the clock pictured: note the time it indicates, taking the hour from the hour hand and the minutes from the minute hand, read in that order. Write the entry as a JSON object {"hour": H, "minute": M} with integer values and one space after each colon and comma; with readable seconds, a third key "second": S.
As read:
{"hour": 11, "minute": 32}
